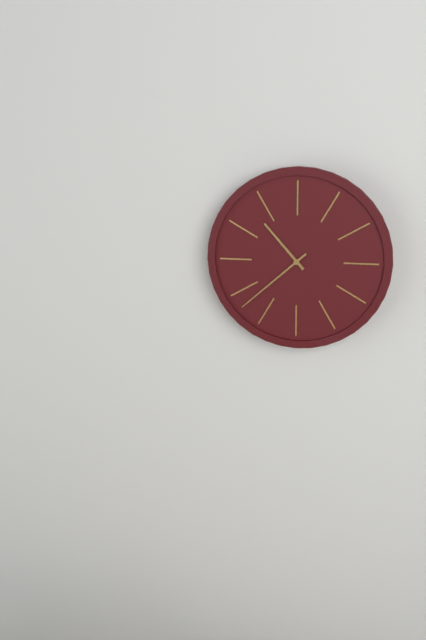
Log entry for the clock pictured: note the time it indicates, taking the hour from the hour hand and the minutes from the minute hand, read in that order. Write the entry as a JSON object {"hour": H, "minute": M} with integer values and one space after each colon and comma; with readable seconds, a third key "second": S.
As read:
{"hour": 10, "minute": 38}
